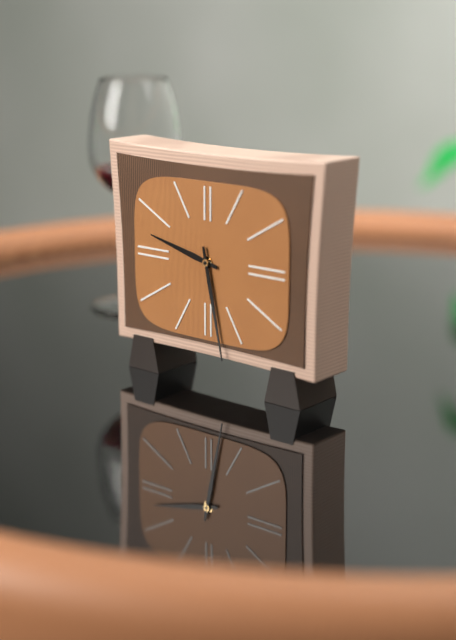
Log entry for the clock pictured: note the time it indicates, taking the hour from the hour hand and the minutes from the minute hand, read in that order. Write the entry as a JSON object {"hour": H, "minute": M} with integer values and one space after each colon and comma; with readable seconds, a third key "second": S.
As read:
{"hour": 9, "minute": 28}
